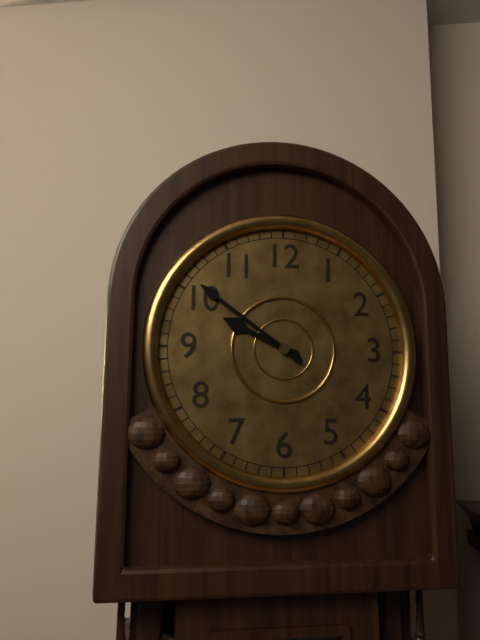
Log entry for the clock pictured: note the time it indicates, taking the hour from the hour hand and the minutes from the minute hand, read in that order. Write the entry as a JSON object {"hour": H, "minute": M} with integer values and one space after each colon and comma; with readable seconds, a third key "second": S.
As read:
{"hour": 9, "minute": 51}
